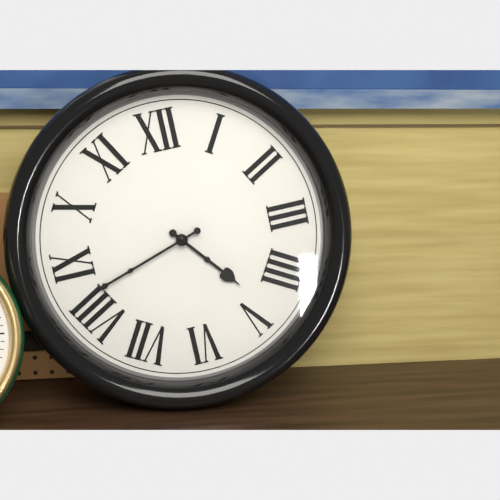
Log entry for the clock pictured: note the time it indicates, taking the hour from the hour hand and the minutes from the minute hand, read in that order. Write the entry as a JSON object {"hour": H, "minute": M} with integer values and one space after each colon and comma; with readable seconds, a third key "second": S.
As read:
{"hour": 4, "minute": 42}
